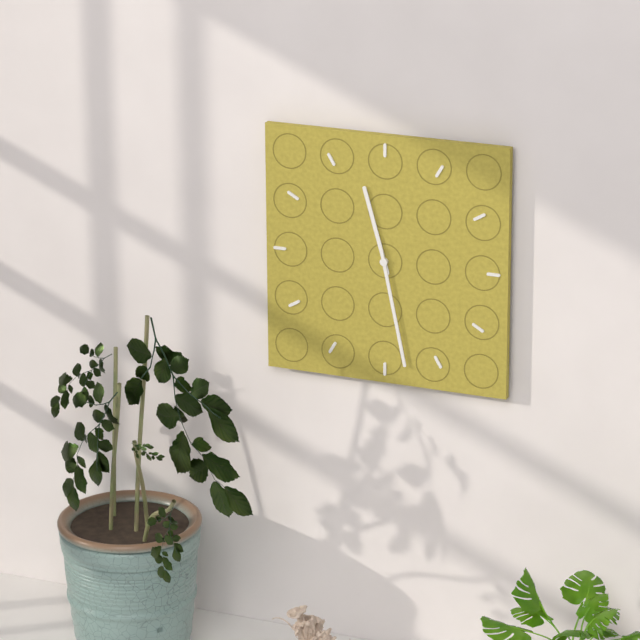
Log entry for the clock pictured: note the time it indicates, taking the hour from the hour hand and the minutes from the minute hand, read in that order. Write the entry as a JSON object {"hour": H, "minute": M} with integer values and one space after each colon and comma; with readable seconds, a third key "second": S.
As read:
{"hour": 11, "minute": 28}
